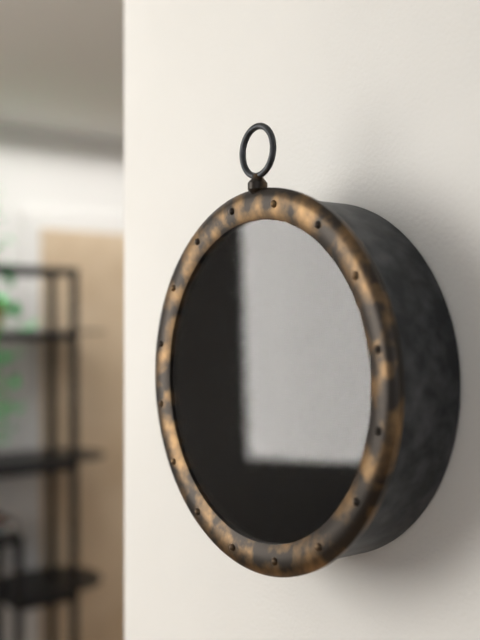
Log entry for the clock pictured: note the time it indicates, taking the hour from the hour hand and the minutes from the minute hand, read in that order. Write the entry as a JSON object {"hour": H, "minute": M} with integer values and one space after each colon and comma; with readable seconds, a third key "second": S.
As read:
{"hour": 7, "minute": 59}
